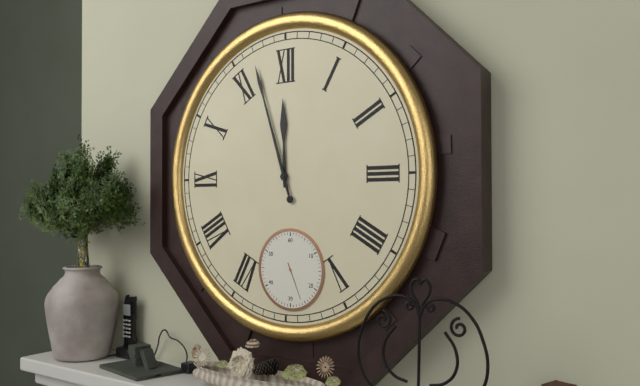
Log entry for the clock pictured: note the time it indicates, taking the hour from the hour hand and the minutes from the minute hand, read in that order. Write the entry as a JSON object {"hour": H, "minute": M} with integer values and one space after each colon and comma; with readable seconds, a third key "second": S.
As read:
{"hour": 11, "minute": 57}
